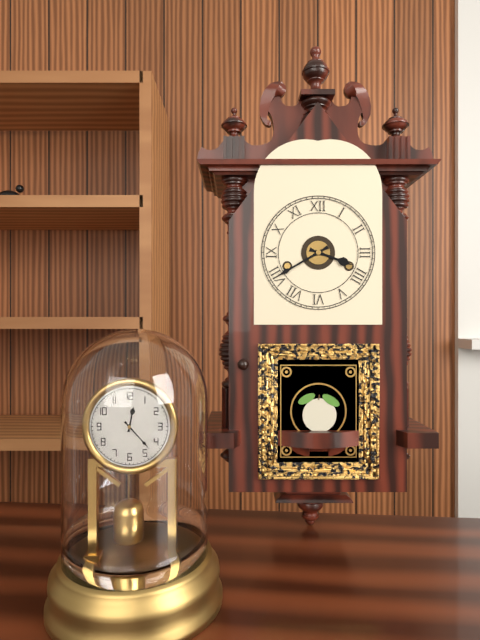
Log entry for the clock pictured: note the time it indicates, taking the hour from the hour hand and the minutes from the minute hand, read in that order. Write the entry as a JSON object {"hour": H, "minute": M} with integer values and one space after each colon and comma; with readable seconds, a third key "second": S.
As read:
{"hour": 3, "minute": 40}
